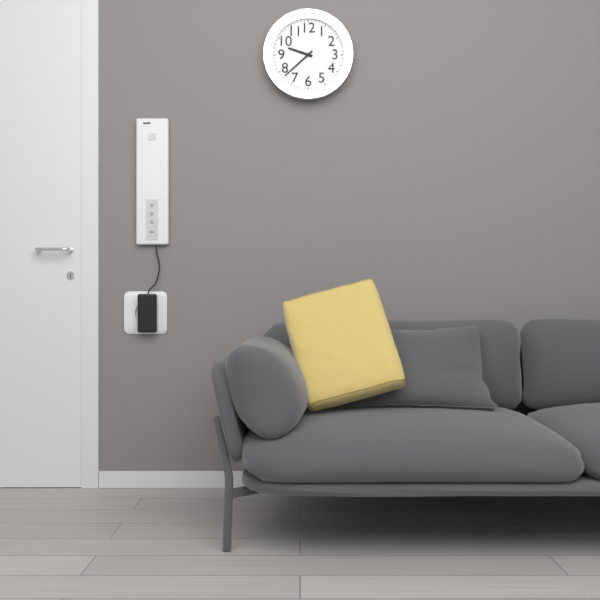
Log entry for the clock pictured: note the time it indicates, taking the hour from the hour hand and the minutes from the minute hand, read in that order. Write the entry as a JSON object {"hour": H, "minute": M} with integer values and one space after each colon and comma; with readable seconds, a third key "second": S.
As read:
{"hour": 9, "minute": 38}
